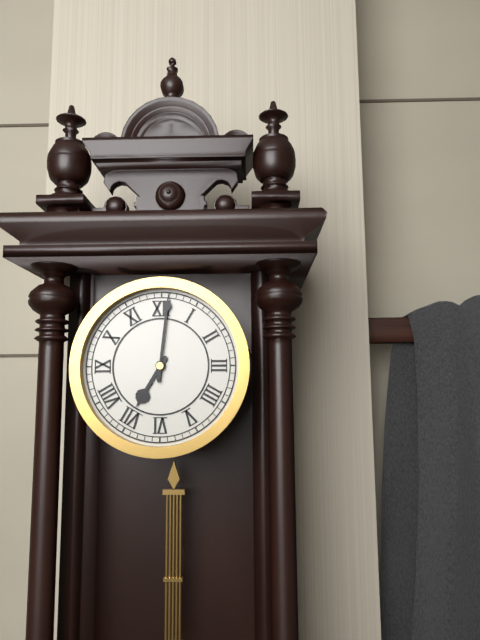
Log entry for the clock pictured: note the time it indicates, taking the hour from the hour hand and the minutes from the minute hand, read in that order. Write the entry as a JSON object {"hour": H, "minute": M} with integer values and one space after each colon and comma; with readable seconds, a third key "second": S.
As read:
{"hour": 7, "minute": 1}
